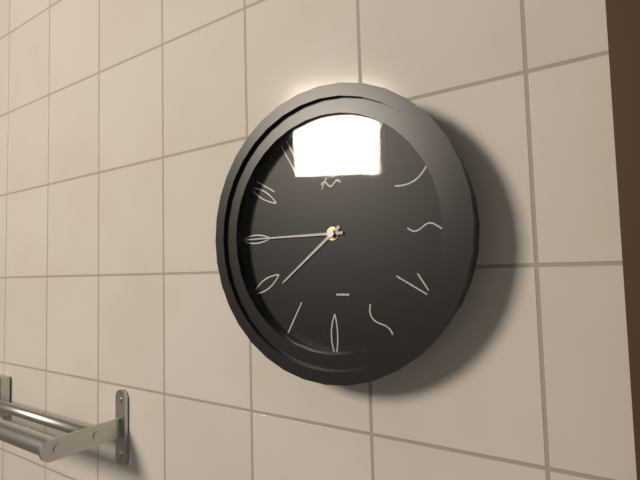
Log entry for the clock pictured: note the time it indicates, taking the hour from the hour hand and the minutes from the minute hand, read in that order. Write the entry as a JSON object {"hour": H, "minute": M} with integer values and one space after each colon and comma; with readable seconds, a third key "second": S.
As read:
{"hour": 7, "minute": 45}
